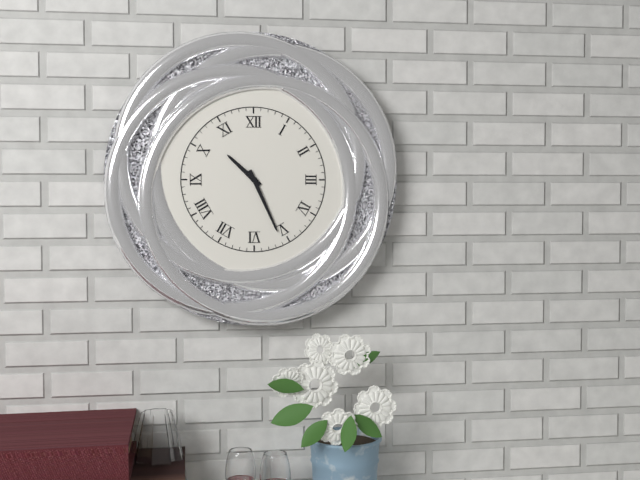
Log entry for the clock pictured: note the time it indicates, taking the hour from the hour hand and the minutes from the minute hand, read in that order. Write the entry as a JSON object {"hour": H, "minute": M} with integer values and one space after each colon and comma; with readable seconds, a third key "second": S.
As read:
{"hour": 10, "minute": 26}
